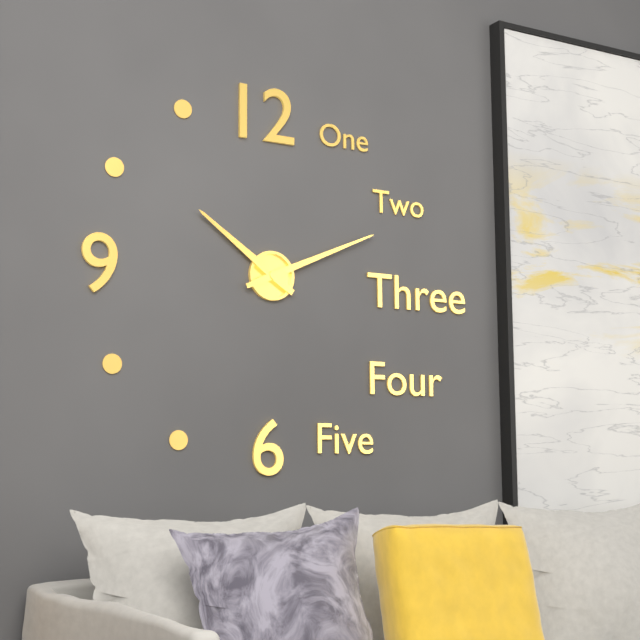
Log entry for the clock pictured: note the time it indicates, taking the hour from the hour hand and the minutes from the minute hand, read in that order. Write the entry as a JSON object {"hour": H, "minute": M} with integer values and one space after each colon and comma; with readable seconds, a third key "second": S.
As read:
{"hour": 10, "minute": 11}
